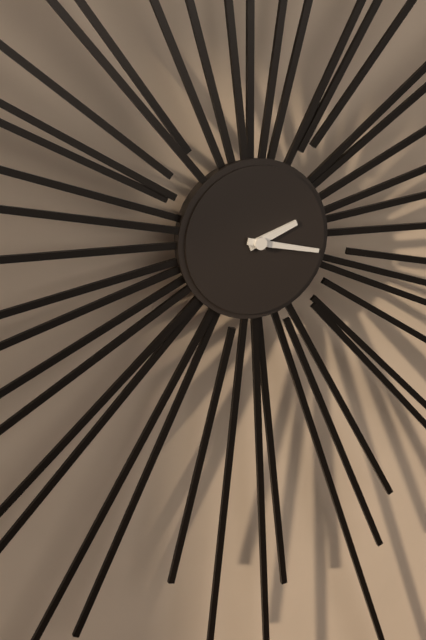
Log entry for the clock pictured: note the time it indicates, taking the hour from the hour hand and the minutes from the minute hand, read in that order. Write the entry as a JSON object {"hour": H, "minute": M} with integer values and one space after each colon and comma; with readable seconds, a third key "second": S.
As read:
{"hour": 2, "minute": 17}
